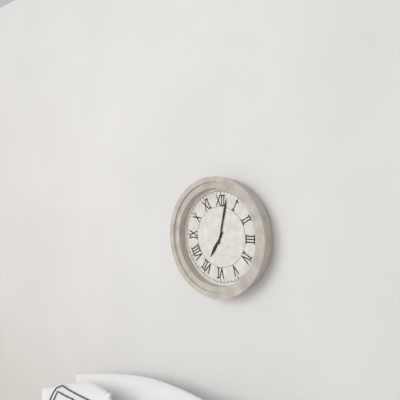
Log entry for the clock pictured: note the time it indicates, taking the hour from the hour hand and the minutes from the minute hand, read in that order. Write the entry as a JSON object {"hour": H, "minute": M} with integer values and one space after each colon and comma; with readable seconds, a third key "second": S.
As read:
{"hour": 7, "minute": 2}
